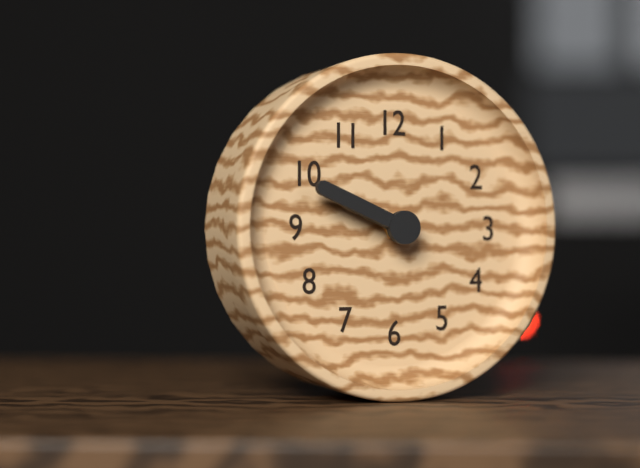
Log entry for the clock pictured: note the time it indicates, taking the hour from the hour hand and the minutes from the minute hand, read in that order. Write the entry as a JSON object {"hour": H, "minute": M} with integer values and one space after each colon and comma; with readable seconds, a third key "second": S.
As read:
{"hour": 9, "minute": 49}
